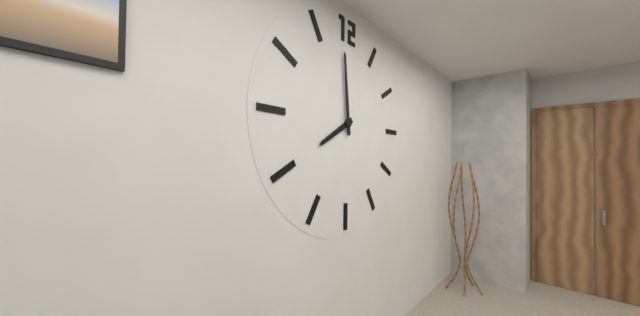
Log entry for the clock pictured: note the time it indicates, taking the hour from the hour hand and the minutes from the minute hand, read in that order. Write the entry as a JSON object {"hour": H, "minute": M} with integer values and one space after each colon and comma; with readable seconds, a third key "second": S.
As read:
{"hour": 7, "minute": 59}
